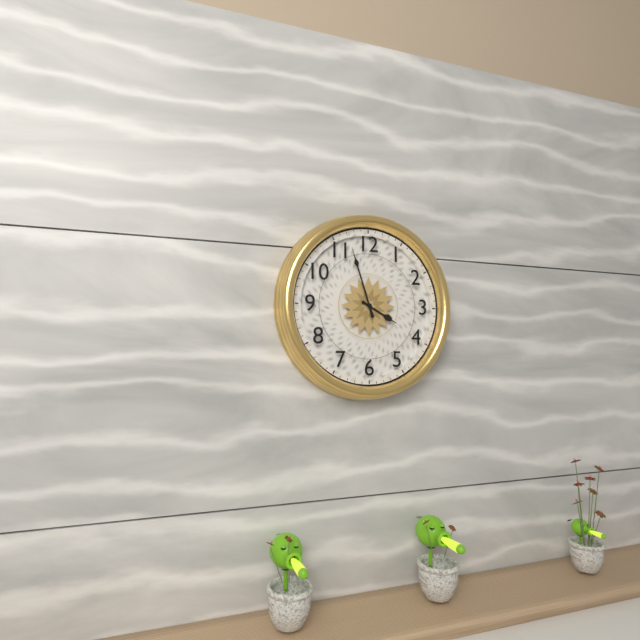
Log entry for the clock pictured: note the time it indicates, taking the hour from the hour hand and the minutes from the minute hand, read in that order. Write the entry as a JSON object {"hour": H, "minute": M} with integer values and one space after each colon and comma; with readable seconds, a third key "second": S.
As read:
{"hour": 3, "minute": 57}
